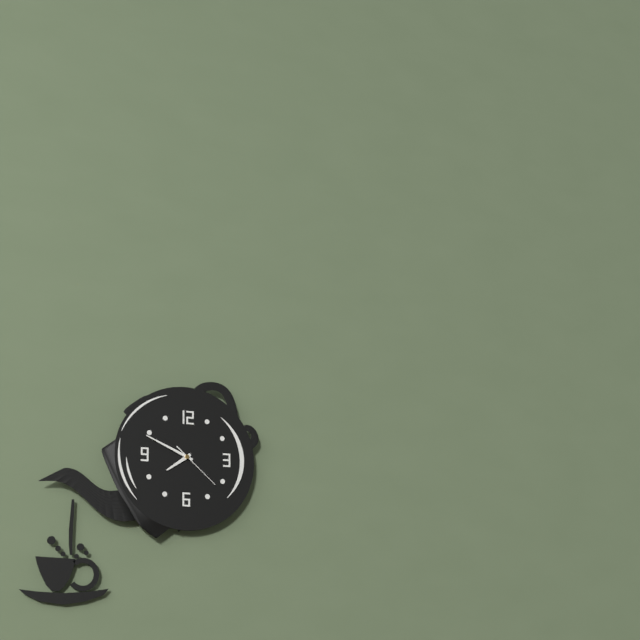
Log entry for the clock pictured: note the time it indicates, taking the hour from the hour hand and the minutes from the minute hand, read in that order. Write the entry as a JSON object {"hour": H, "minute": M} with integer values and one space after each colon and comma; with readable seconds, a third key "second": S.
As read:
{"hour": 7, "minute": 49}
